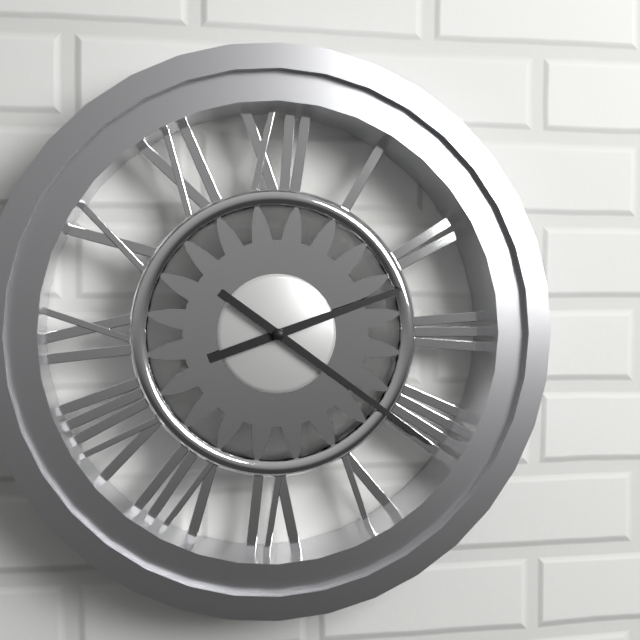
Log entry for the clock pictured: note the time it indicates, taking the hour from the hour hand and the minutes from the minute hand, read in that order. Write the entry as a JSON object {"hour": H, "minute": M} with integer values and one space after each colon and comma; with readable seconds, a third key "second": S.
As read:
{"hour": 2, "minute": 21}
